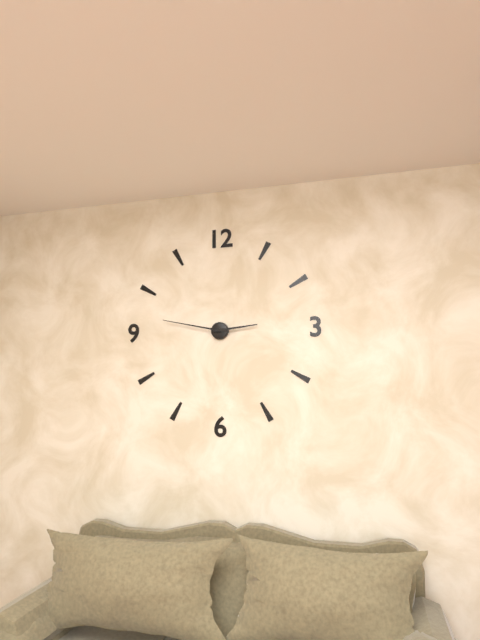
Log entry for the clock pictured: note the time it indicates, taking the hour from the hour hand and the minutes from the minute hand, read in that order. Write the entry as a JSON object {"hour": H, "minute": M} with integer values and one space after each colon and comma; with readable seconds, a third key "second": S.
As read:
{"hour": 2, "minute": 47}
